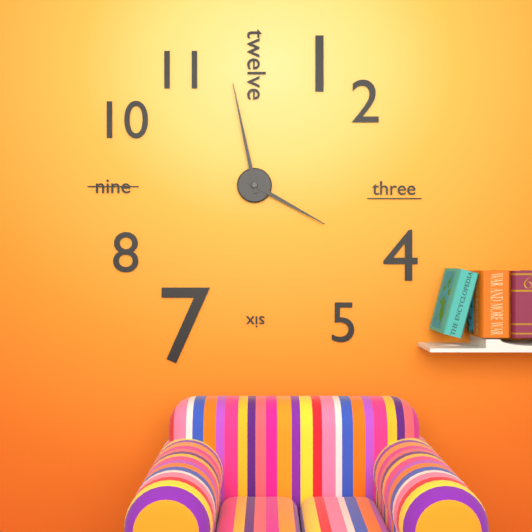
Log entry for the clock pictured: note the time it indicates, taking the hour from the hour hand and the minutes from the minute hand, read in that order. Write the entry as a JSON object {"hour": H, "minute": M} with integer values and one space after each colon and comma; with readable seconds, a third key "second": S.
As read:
{"hour": 3, "minute": 58}
